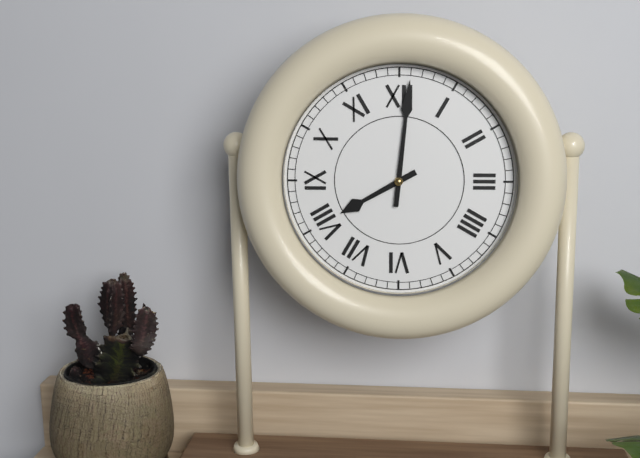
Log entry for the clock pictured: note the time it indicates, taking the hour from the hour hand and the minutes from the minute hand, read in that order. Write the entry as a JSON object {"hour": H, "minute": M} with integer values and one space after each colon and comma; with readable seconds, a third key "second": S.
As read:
{"hour": 8, "minute": 1}
